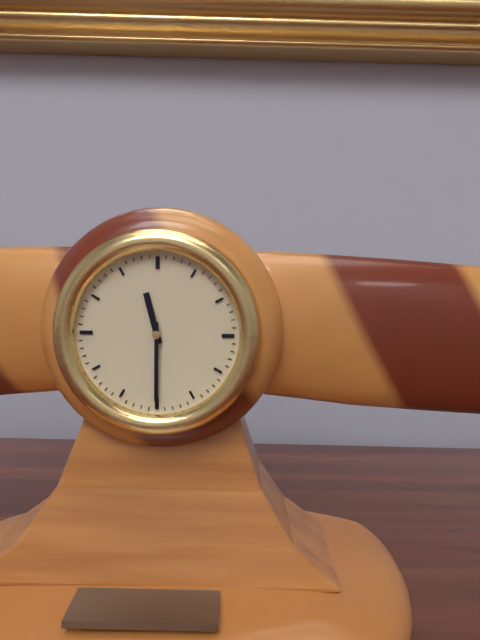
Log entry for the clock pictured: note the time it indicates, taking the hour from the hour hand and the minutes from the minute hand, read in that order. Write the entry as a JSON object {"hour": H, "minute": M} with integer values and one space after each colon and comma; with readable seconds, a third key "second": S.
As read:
{"hour": 11, "minute": 30}
